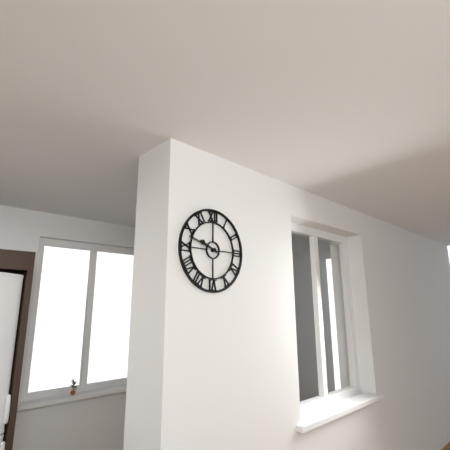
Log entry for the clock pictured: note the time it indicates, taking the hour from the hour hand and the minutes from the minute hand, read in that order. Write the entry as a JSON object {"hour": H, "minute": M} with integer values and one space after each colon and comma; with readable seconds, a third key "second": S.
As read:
{"hour": 9, "minute": 48}
